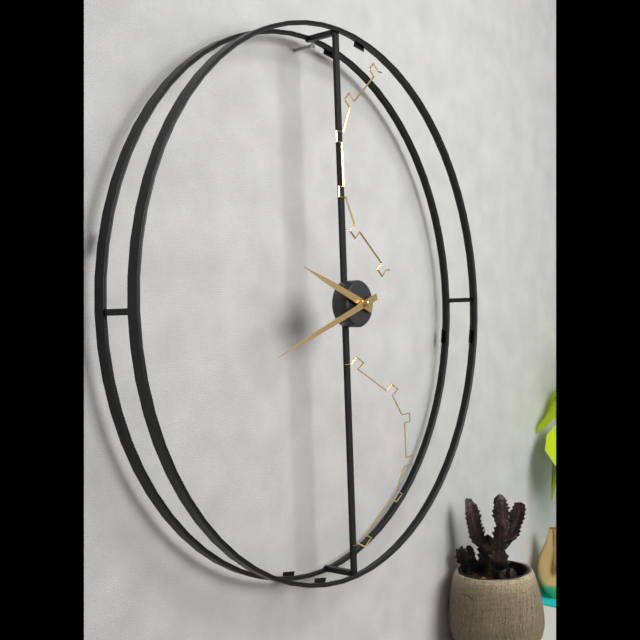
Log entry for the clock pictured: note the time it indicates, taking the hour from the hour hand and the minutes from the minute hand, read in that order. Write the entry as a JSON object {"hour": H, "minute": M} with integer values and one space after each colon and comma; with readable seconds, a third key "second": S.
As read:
{"hour": 9, "minute": 42}
